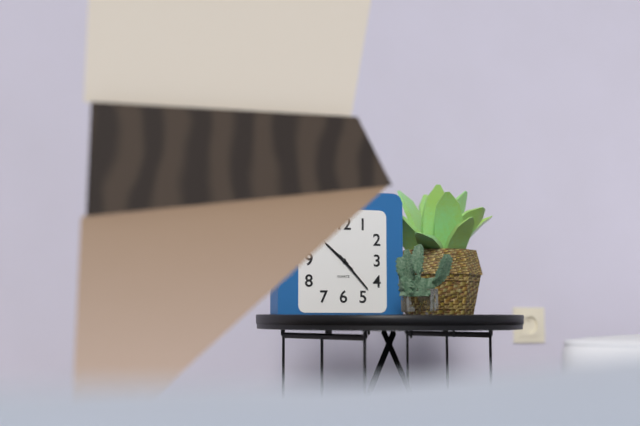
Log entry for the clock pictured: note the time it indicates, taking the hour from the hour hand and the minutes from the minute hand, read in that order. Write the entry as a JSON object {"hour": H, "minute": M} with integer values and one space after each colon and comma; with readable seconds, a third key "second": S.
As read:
{"hour": 10, "minute": 23}
